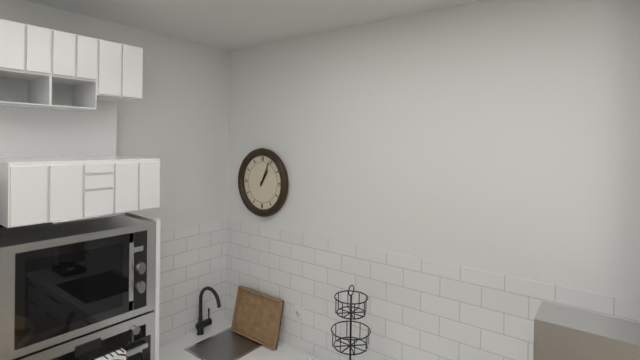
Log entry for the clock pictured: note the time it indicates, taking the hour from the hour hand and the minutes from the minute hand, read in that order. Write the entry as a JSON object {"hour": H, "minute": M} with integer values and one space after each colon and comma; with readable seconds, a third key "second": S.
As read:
{"hour": 1, "minute": 4}
